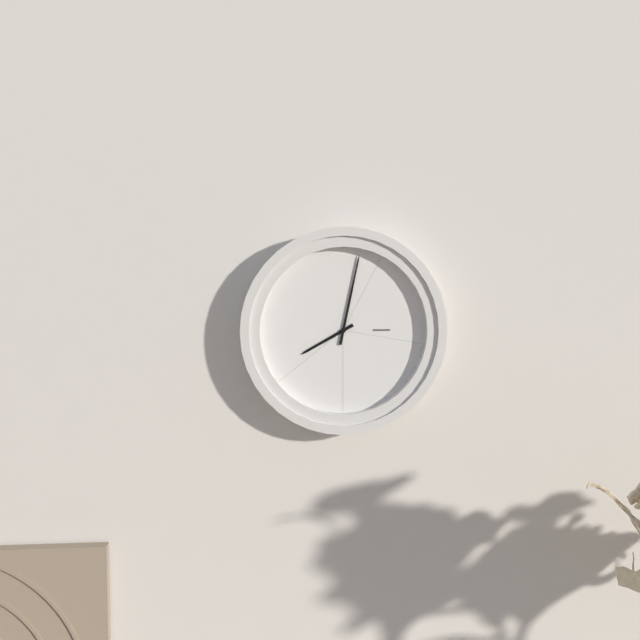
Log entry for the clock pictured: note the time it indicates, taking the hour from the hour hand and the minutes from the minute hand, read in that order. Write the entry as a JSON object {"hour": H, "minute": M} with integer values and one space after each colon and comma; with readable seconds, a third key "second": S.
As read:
{"hour": 8, "minute": 2}
